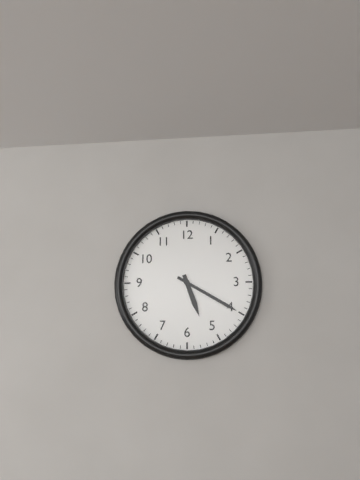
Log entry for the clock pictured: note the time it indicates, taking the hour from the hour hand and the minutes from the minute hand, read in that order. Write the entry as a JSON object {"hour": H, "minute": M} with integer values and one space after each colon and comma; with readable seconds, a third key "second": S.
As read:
{"hour": 5, "minute": 20}
